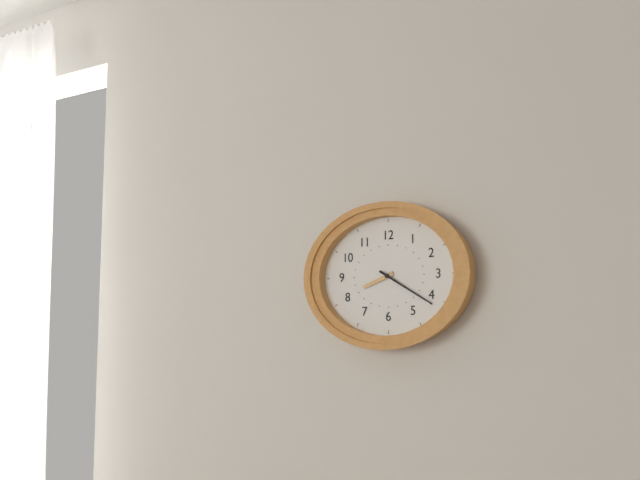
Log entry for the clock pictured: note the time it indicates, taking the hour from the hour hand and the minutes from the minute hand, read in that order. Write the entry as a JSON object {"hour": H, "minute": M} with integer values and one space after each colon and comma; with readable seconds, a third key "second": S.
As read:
{"hour": 8, "minute": 20}
